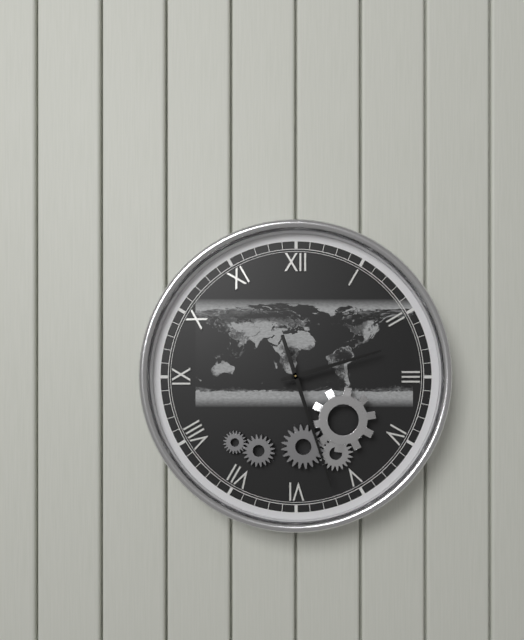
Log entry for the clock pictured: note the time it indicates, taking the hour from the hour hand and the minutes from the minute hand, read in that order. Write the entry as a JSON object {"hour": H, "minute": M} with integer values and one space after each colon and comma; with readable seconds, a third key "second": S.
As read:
{"hour": 2, "minute": 27}
